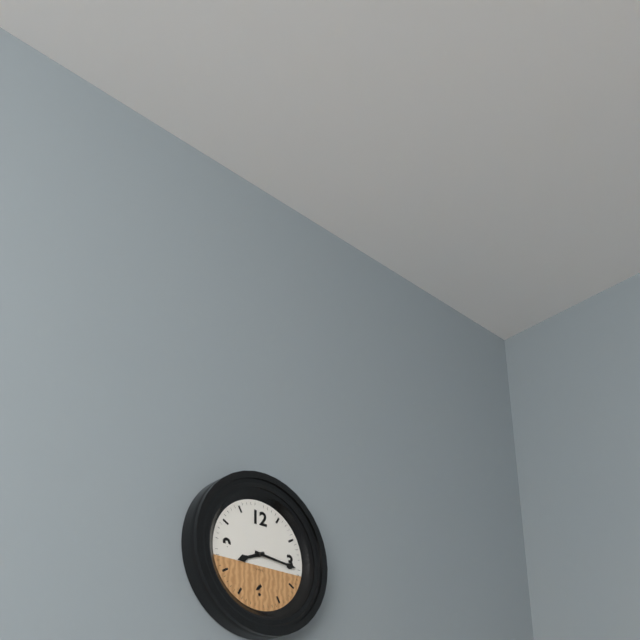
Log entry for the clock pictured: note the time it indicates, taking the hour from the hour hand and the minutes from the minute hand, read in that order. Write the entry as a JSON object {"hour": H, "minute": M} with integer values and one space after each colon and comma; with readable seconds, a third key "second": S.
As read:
{"hour": 8, "minute": 16}
